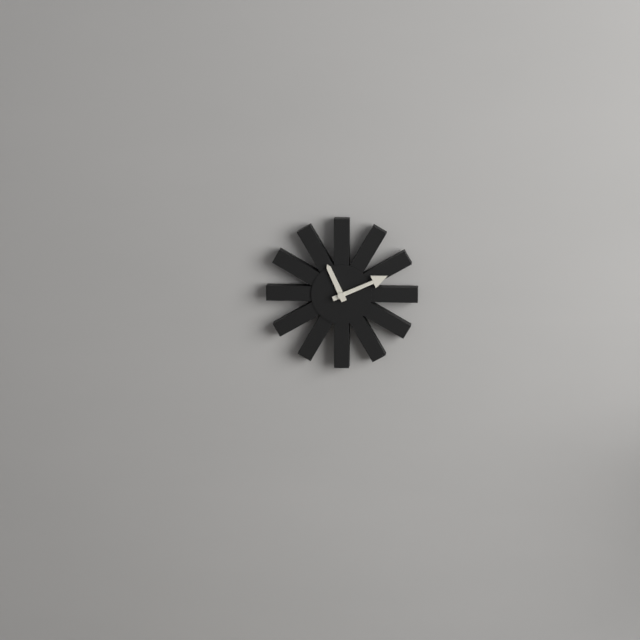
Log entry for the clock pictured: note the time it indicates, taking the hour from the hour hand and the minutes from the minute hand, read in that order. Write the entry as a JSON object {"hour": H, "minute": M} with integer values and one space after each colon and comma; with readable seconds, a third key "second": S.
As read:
{"hour": 11, "minute": 11}
